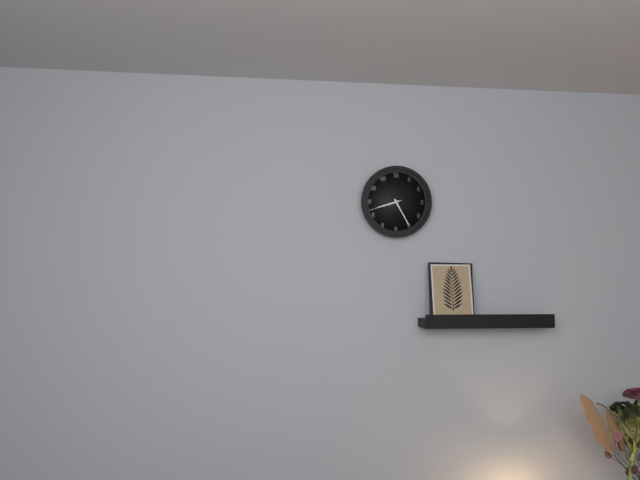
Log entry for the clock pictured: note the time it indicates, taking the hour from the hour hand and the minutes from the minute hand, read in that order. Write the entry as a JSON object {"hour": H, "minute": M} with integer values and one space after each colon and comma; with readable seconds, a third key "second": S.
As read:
{"hour": 8, "minute": 25}
